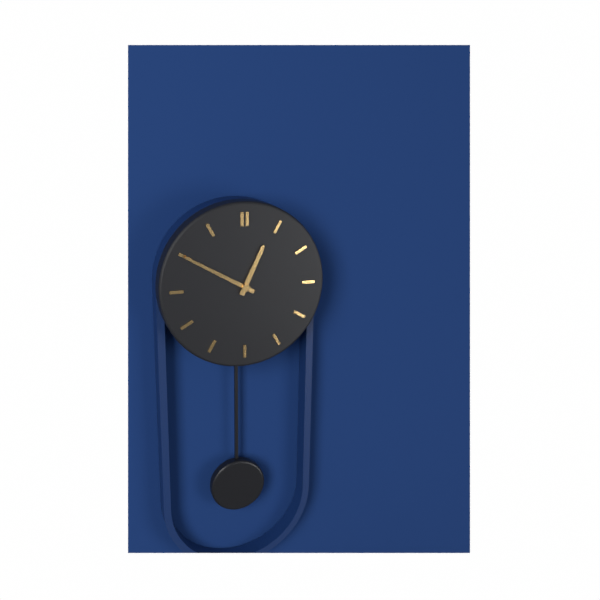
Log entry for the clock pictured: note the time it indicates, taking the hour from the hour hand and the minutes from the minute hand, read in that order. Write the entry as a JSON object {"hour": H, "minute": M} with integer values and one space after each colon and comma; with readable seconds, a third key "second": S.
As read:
{"hour": 12, "minute": 50}
